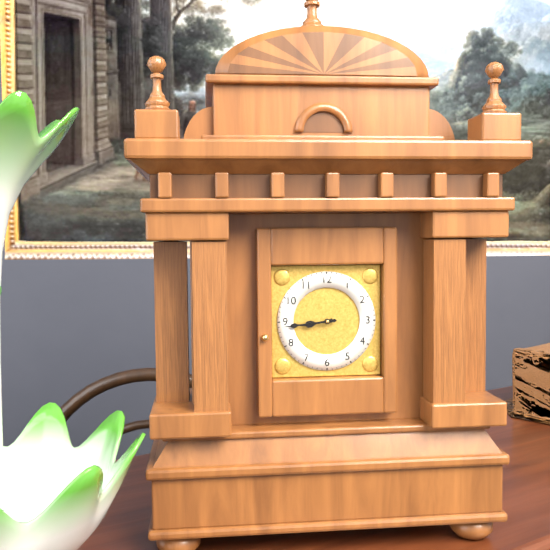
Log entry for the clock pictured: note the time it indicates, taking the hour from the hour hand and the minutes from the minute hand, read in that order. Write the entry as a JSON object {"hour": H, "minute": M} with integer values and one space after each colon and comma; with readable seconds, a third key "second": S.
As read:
{"hour": 8, "minute": 44}
